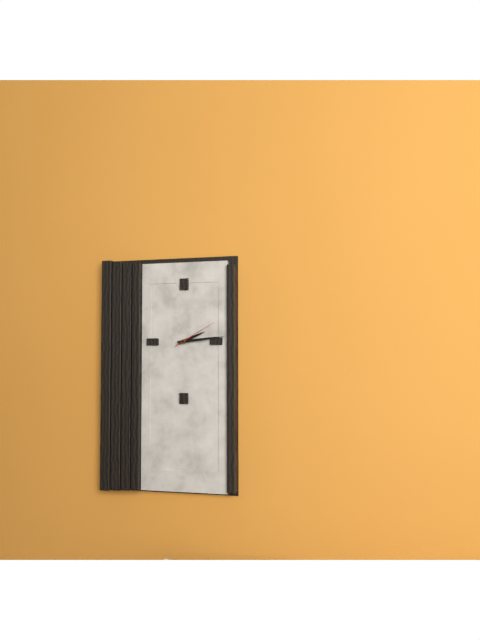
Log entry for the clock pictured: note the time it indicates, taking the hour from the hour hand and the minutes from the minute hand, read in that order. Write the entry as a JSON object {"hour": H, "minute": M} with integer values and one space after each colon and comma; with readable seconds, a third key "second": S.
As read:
{"hour": 2, "minute": 14}
